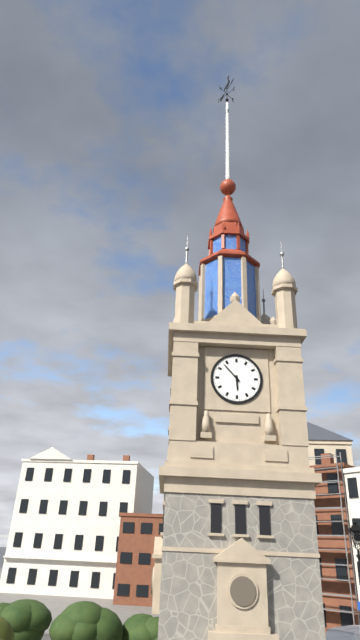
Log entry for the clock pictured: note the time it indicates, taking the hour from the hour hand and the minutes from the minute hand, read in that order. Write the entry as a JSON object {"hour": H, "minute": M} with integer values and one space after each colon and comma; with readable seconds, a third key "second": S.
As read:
{"hour": 5, "minute": 53}
